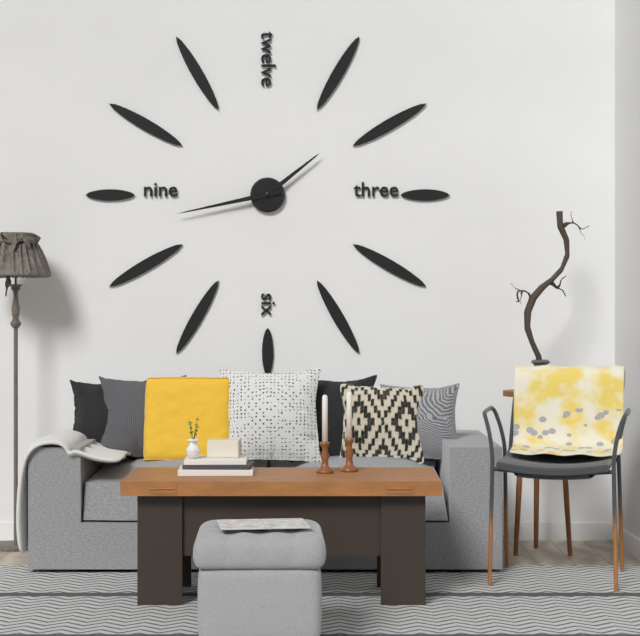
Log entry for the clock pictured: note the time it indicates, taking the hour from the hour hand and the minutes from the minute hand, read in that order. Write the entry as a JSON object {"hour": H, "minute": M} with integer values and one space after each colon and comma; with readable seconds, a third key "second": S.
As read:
{"hour": 1, "minute": 43}
